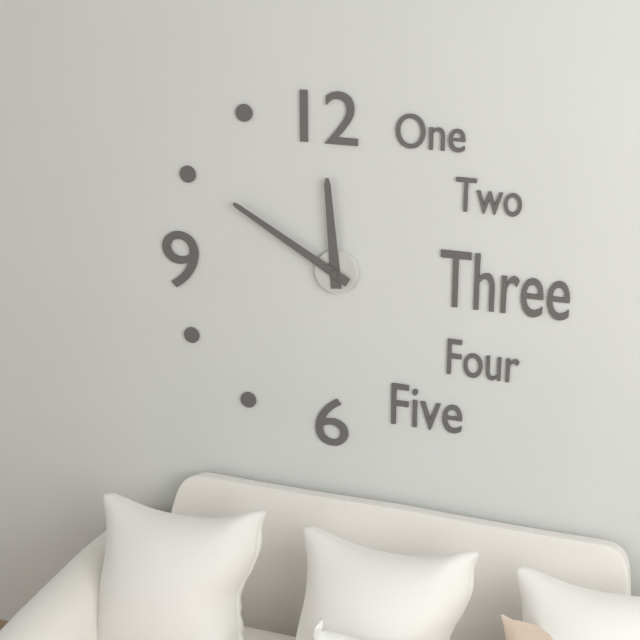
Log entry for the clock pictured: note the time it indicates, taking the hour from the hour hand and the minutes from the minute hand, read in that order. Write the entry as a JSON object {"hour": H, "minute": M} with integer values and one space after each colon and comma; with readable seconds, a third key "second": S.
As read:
{"hour": 11, "minute": 50}
